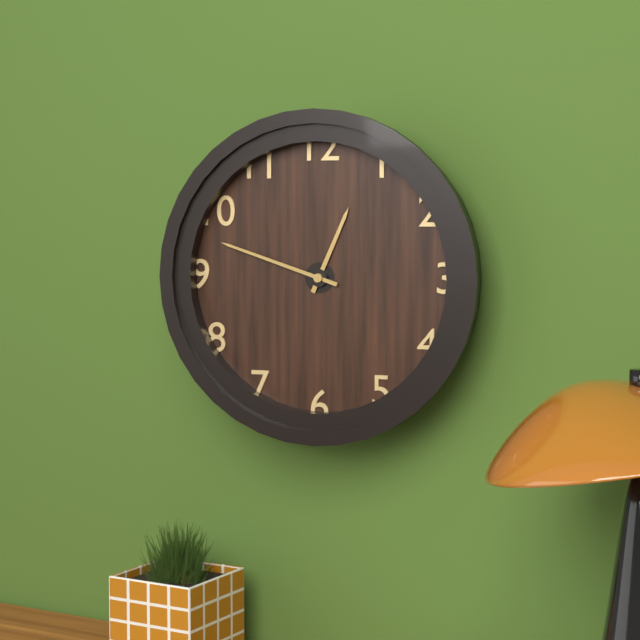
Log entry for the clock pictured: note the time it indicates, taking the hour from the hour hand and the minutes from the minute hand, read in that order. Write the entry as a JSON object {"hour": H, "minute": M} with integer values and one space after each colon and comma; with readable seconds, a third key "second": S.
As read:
{"hour": 12, "minute": 48}
